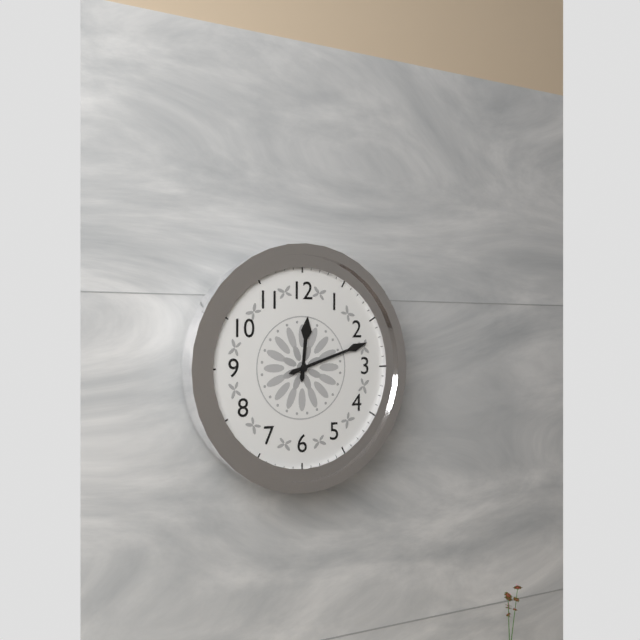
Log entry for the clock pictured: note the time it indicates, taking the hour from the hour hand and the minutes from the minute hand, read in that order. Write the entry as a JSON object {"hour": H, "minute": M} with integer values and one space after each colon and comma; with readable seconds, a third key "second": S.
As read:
{"hour": 12, "minute": 12}
